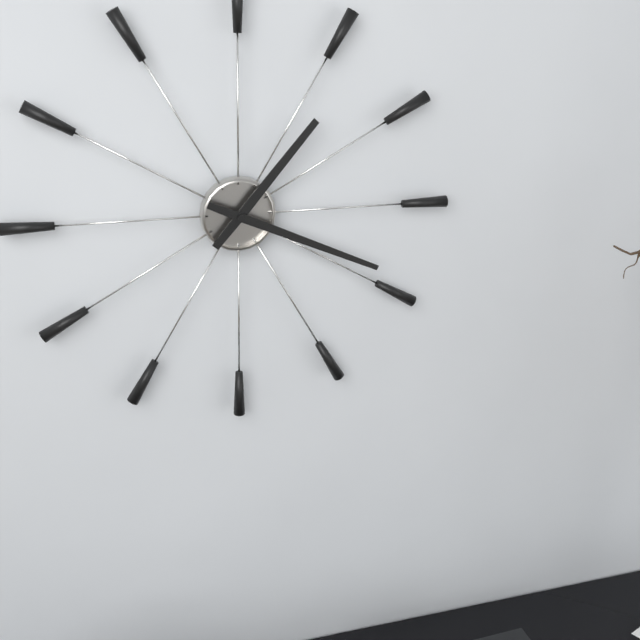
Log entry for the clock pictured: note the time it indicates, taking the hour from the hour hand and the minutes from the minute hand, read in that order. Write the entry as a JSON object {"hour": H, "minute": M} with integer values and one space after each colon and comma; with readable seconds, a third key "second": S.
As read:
{"hour": 1, "minute": 19}
